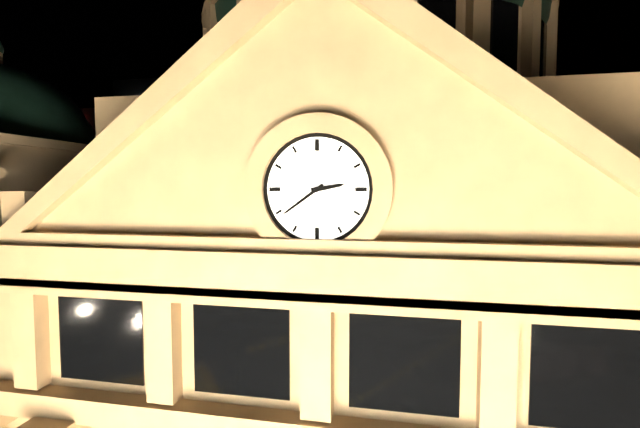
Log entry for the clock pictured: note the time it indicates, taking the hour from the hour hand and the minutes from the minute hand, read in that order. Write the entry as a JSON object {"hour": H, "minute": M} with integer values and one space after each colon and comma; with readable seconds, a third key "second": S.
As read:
{"hour": 2, "minute": 39}
